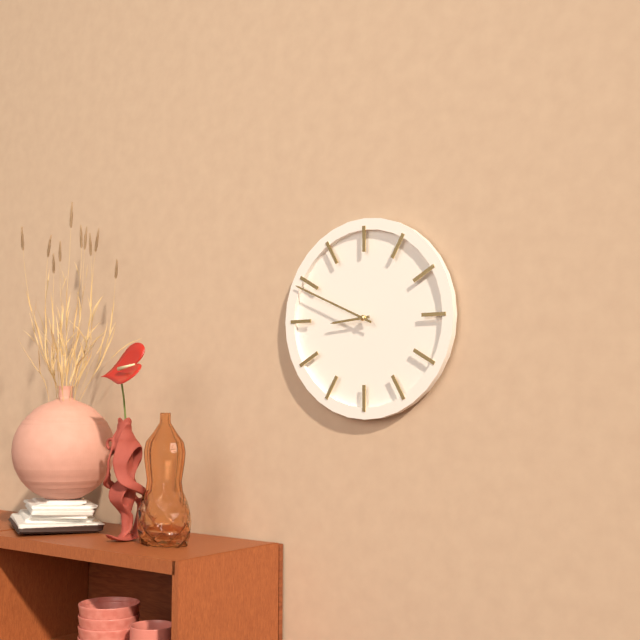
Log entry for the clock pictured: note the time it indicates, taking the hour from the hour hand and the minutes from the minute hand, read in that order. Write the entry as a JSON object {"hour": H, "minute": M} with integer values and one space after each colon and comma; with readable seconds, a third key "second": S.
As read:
{"hour": 8, "minute": 49}
